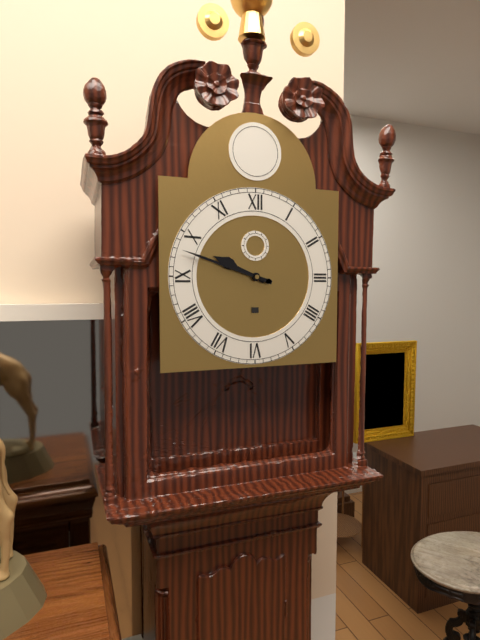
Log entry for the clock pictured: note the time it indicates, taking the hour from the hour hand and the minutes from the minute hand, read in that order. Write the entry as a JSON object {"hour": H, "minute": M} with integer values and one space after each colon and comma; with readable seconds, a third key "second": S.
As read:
{"hour": 9, "minute": 48}
